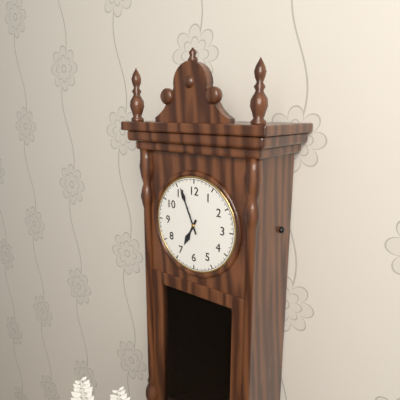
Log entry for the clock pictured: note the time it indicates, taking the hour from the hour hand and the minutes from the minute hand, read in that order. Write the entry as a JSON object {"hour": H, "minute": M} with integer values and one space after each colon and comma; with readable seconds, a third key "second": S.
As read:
{"hour": 6, "minute": 56}
